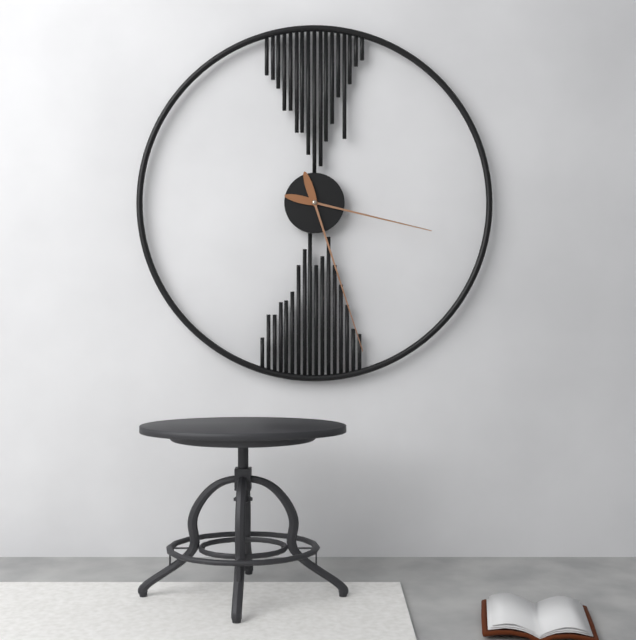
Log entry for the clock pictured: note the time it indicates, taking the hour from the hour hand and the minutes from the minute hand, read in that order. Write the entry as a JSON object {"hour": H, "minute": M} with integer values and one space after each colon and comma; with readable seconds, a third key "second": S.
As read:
{"hour": 3, "minute": 27}
